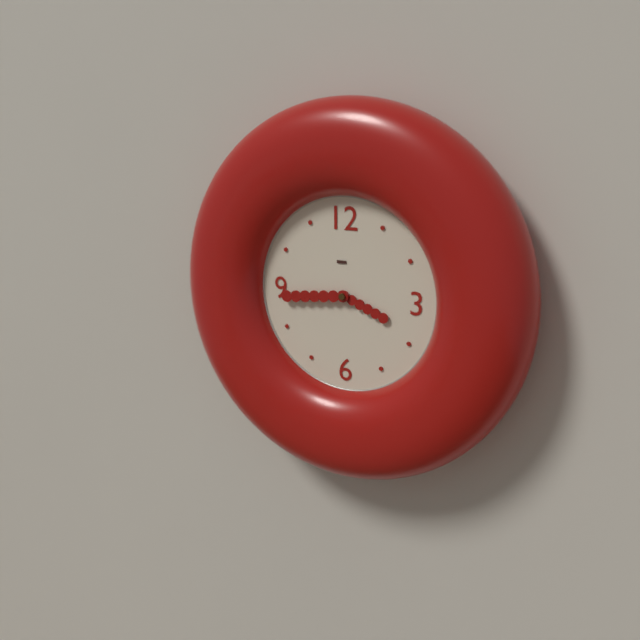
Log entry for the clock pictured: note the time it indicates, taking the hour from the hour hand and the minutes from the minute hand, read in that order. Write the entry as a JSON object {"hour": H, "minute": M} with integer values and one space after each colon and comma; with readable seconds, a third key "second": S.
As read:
{"hour": 3, "minute": 44}
